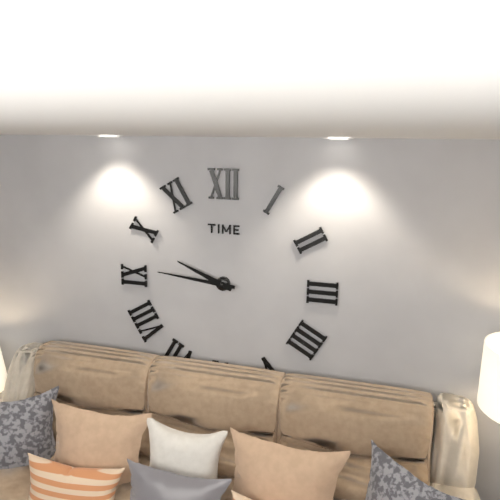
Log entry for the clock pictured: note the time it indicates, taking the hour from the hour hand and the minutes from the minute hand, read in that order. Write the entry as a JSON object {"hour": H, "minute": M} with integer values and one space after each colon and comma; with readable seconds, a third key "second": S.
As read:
{"hour": 9, "minute": 46}
